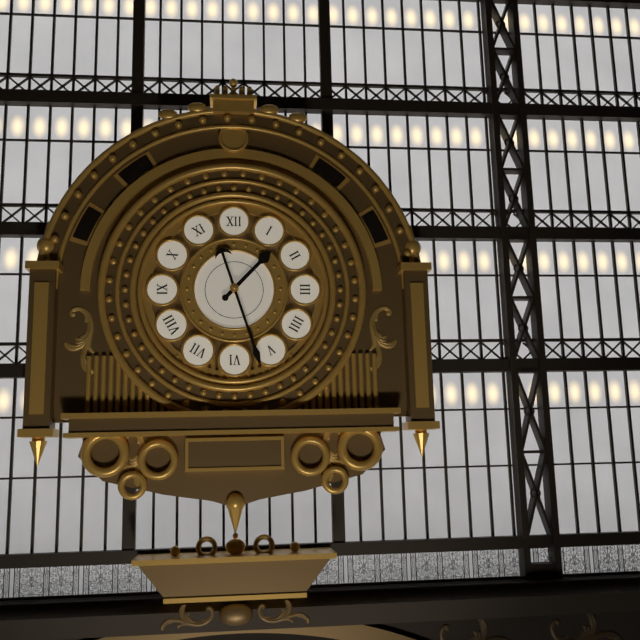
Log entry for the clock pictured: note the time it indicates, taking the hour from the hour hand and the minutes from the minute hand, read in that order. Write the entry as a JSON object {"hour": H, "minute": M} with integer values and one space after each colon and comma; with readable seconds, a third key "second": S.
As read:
{"hour": 1, "minute": 27}
